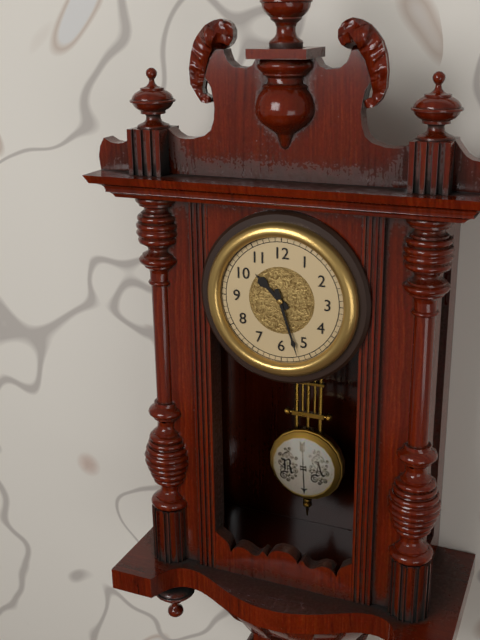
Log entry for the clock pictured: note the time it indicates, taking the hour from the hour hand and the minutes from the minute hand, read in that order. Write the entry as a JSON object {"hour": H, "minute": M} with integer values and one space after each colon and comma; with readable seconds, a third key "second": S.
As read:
{"hour": 10, "minute": 27}
